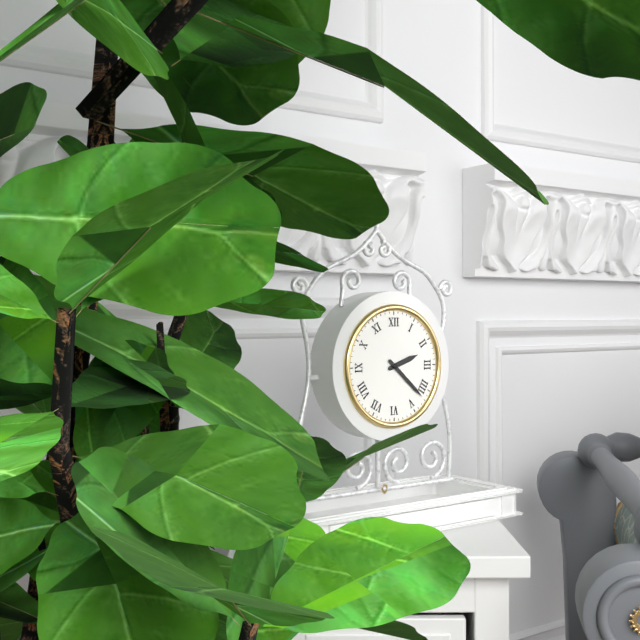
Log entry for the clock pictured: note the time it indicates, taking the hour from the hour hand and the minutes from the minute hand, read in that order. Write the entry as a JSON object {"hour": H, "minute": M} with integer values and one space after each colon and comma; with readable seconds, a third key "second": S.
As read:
{"hour": 2, "minute": 22}
